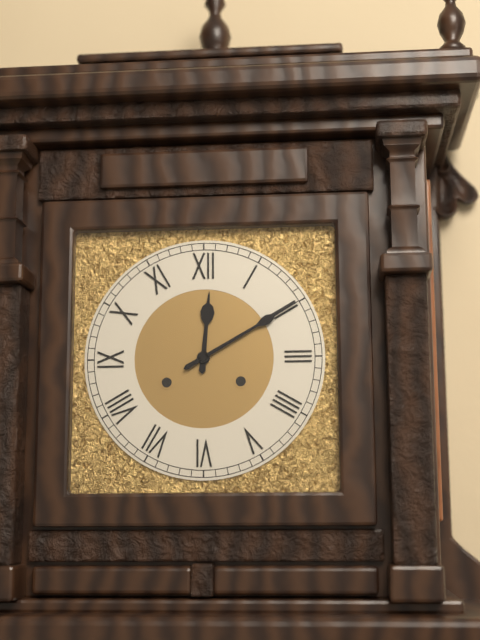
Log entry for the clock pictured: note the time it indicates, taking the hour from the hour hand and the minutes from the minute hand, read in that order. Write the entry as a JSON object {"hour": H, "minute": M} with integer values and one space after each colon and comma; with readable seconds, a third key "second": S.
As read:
{"hour": 12, "minute": 10}
